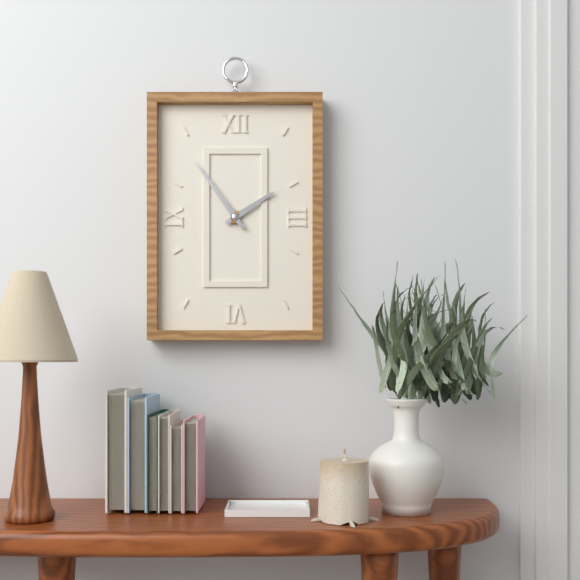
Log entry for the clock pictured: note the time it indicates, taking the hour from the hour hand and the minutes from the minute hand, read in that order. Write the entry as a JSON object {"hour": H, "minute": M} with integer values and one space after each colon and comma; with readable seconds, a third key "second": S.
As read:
{"hour": 1, "minute": 54}
